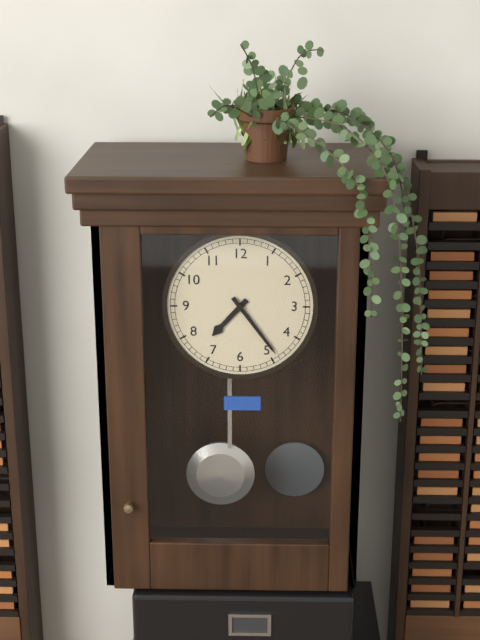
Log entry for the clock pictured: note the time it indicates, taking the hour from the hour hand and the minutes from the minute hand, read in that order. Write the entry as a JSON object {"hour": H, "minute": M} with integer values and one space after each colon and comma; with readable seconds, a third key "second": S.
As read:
{"hour": 7, "minute": 24}
